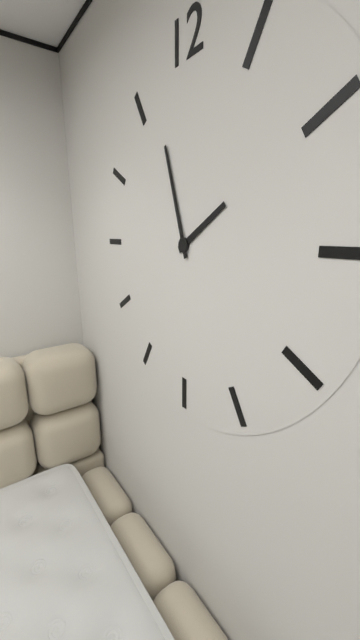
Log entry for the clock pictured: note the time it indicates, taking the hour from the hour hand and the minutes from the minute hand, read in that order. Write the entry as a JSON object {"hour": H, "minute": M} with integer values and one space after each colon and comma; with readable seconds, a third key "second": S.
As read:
{"hour": 1, "minute": 57}
